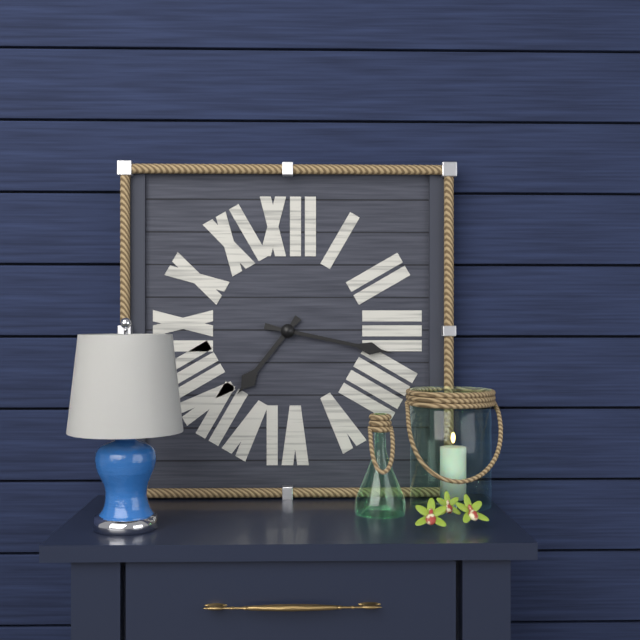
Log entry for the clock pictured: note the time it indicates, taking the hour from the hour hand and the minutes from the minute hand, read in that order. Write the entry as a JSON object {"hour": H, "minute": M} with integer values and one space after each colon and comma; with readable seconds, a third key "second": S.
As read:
{"hour": 7, "minute": 17}
